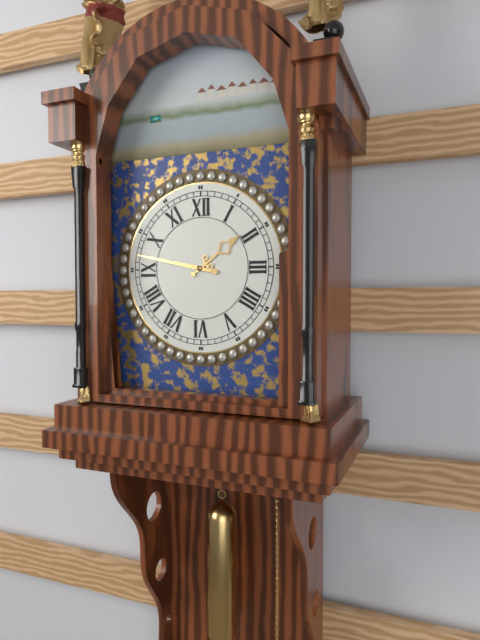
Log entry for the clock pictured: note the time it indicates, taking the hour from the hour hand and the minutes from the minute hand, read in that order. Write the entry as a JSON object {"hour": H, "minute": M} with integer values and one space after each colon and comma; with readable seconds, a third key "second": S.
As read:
{"hour": 1, "minute": 47}
